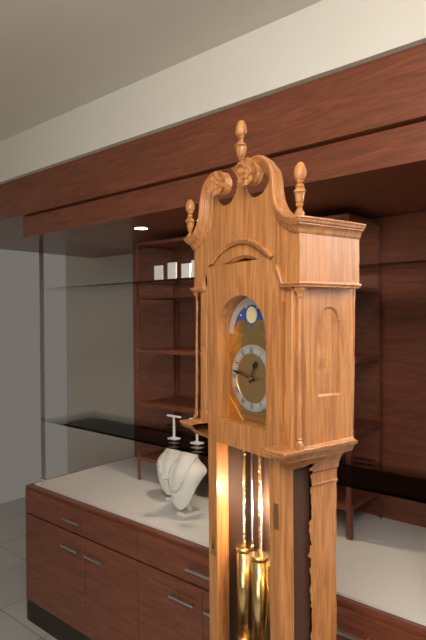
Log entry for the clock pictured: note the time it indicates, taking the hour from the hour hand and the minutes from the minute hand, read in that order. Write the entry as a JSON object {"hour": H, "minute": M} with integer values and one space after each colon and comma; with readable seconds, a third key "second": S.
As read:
{"hour": 12, "minute": 47}
